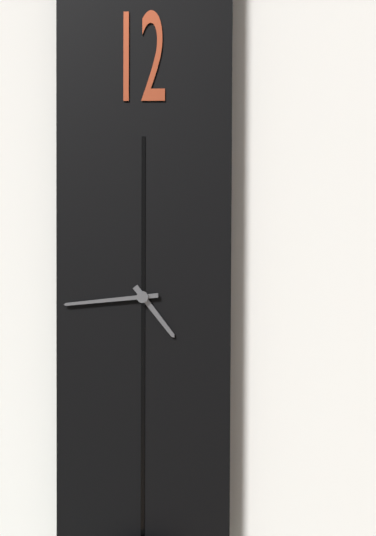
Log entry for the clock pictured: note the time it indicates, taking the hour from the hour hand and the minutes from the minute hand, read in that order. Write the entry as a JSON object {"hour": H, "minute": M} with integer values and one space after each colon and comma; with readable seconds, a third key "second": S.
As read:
{"hour": 4, "minute": 44}
